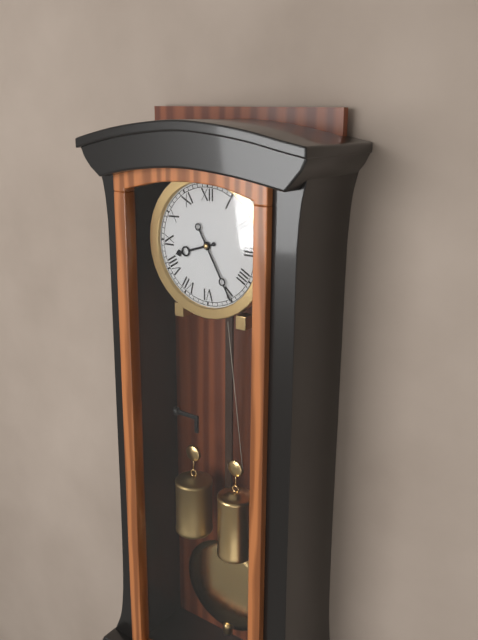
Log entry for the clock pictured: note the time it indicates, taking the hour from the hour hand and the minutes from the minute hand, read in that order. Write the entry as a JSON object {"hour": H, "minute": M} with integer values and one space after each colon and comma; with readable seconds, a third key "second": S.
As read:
{"hour": 8, "minute": 25}
